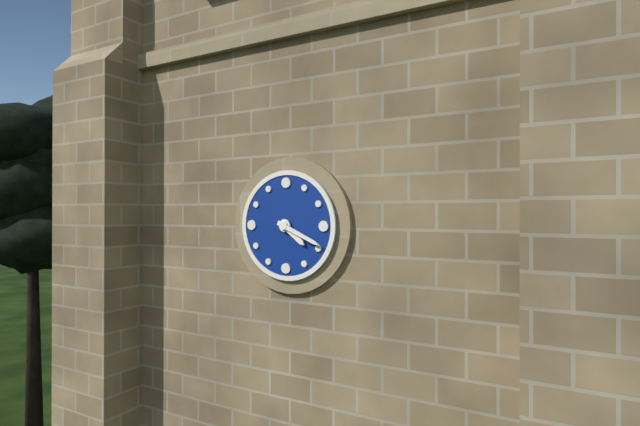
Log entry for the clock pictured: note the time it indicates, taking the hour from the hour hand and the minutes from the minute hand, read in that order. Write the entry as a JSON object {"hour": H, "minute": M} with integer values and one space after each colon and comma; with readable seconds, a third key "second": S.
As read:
{"hour": 4, "minute": 19}
